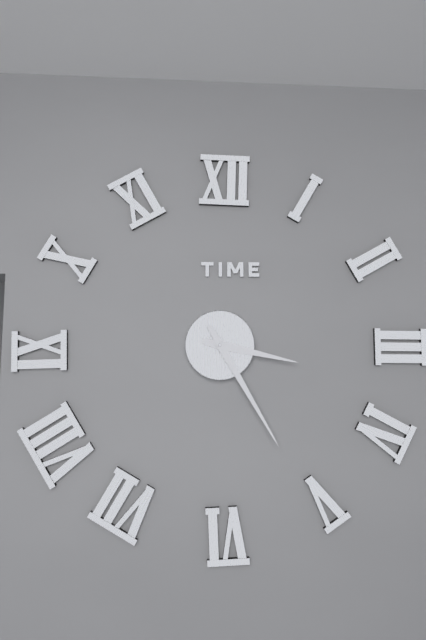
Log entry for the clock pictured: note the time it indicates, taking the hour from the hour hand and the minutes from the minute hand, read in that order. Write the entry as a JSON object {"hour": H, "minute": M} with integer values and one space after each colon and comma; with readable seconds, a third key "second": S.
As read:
{"hour": 3, "minute": 25}
